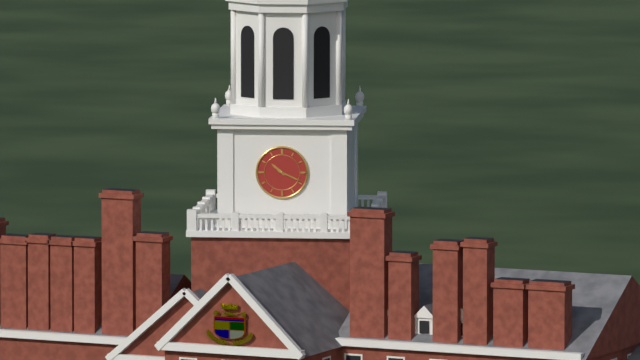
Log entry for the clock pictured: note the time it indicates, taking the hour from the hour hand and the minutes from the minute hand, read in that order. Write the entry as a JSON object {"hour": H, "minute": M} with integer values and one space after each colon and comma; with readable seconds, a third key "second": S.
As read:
{"hour": 10, "minute": 19}
